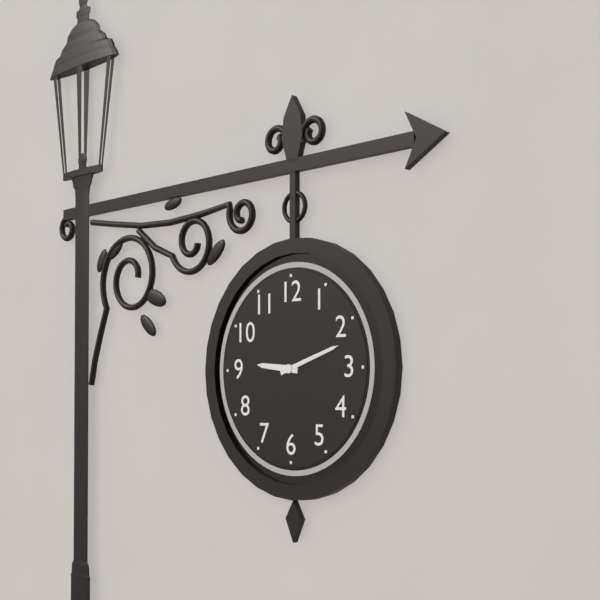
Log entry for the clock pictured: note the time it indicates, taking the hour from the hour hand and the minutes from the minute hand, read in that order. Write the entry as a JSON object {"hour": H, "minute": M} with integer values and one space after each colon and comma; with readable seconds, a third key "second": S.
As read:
{"hour": 9, "minute": 12}
